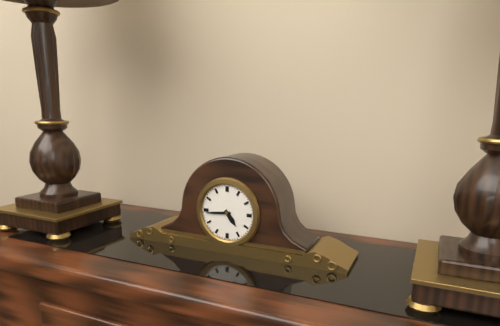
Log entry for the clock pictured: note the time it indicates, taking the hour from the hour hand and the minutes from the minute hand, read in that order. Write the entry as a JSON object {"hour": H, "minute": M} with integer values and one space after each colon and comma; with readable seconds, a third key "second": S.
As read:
{"hour": 4, "minute": 44}
